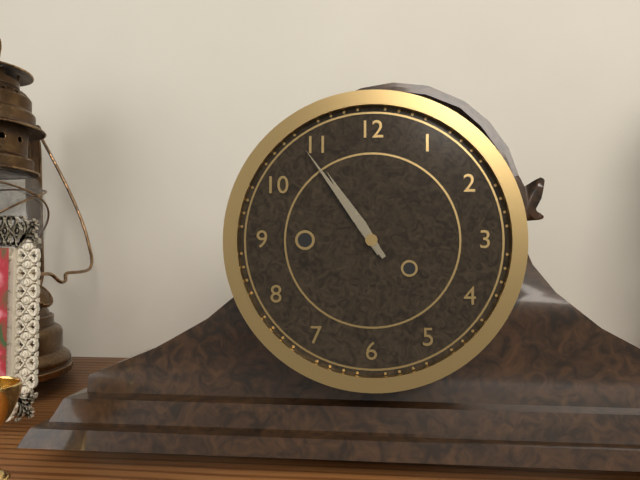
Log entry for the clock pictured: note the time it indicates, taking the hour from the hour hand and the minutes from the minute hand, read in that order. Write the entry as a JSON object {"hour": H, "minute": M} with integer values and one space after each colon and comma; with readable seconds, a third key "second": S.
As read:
{"hour": 10, "minute": 54}
